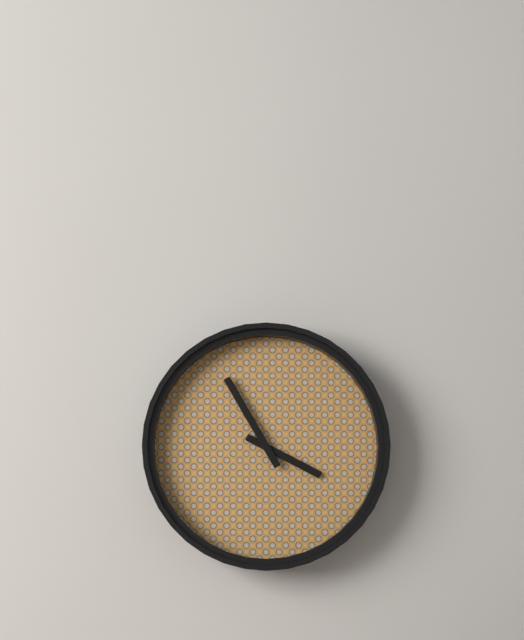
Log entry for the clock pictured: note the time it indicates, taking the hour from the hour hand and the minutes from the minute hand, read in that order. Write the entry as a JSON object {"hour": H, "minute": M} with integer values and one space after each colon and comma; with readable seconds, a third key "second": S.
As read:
{"hour": 3, "minute": 55}
